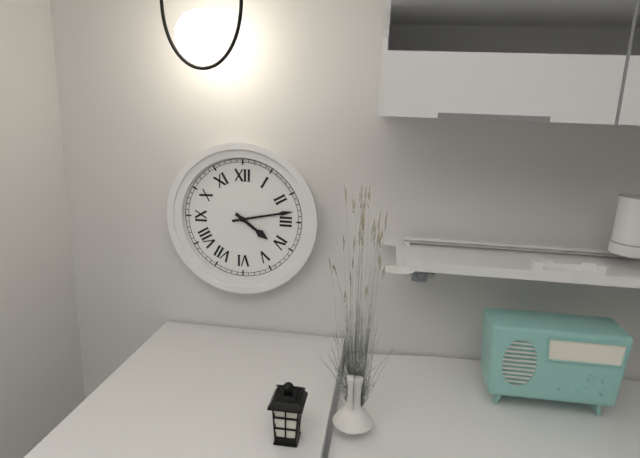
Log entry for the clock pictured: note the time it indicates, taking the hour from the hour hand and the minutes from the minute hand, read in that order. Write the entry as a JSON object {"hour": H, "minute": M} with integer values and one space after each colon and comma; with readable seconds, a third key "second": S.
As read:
{"hour": 4, "minute": 13}
